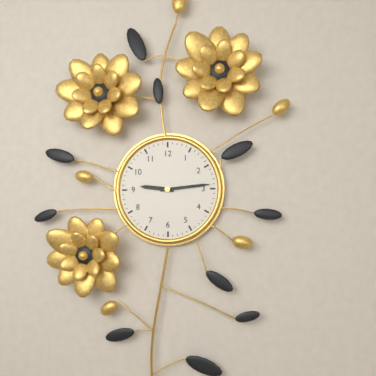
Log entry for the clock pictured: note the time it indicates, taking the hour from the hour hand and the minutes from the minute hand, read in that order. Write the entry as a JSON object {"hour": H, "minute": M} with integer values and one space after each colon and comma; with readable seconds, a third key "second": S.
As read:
{"hour": 9, "minute": 14}
